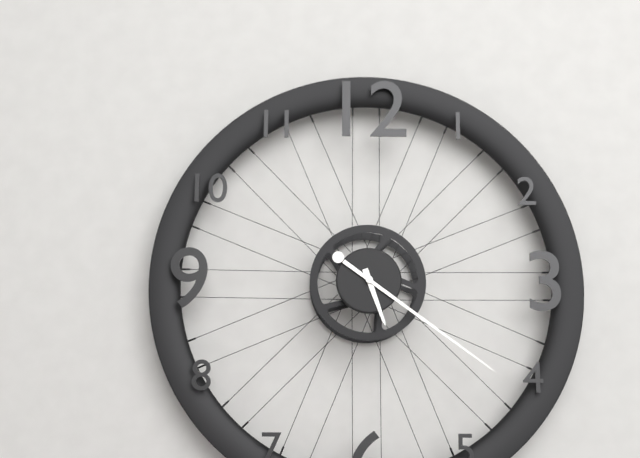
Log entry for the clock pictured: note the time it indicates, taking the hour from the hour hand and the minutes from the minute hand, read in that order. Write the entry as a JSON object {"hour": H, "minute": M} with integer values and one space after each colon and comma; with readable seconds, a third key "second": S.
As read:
{"hour": 5, "minute": 21}
